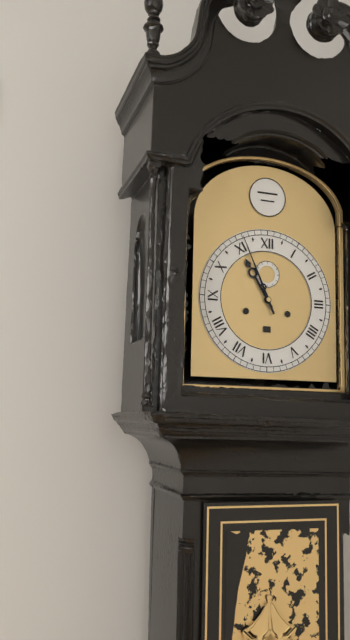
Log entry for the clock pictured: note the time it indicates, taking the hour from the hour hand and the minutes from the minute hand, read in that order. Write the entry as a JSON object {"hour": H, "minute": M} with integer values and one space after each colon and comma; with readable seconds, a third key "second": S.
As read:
{"hour": 10, "minute": 56}
